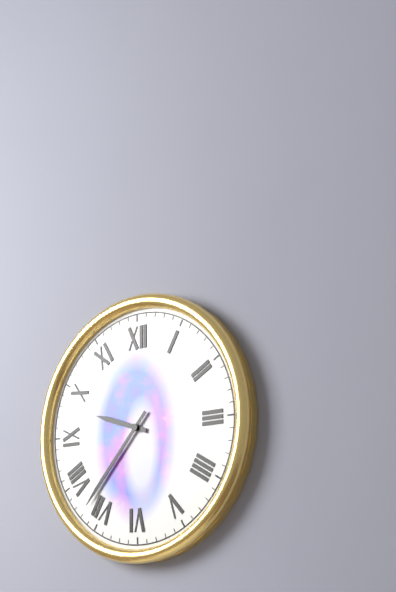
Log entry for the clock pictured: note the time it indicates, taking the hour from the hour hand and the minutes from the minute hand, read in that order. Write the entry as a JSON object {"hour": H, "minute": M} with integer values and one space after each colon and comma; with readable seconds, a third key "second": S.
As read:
{"hour": 9, "minute": 37}
